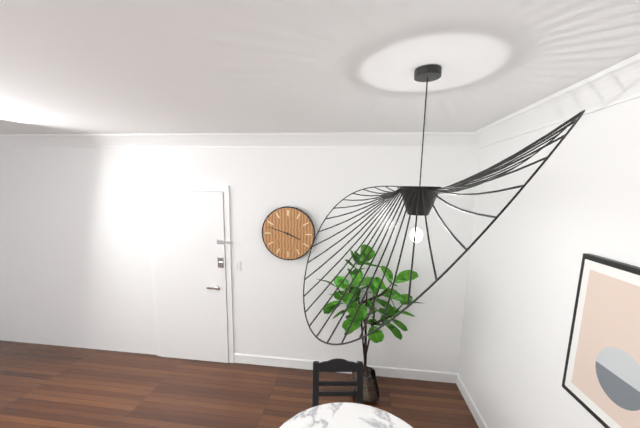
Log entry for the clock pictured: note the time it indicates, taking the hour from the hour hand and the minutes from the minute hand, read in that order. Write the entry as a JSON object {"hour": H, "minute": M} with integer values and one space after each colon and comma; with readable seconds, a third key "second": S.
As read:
{"hour": 3, "minute": 48}
